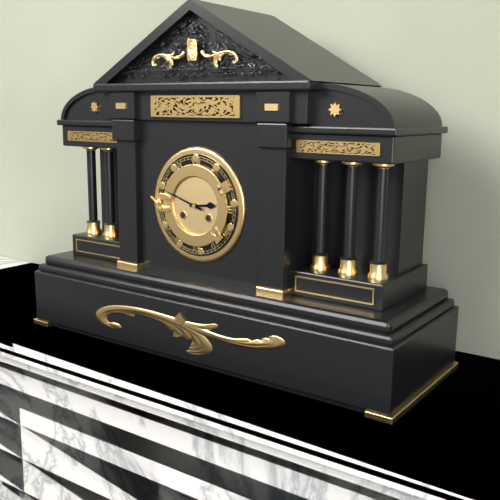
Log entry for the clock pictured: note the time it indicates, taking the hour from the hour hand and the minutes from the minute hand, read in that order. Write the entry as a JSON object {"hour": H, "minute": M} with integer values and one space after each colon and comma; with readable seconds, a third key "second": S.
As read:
{"hour": 2, "minute": 48}
